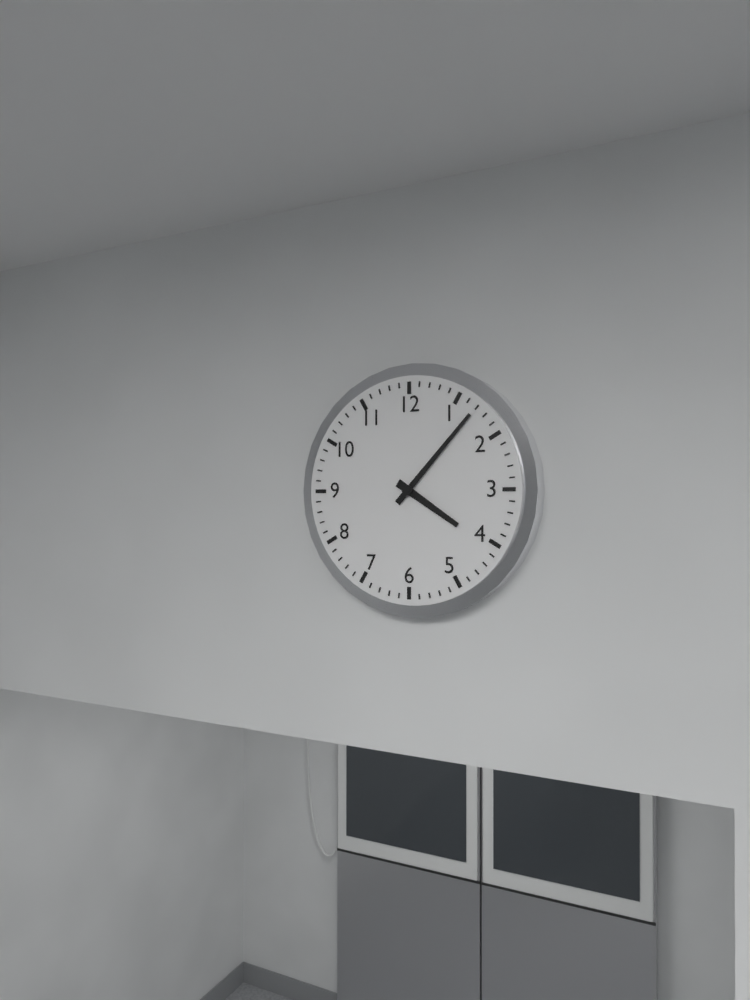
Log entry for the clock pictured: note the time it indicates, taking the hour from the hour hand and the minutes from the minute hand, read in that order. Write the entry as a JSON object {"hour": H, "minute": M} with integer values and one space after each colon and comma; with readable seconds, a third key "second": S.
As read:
{"hour": 4, "minute": 7}
